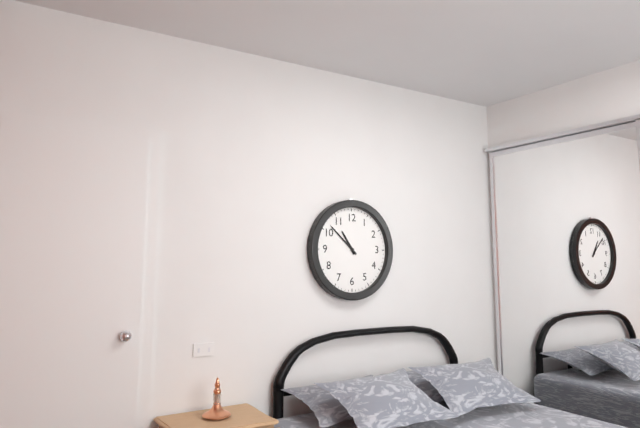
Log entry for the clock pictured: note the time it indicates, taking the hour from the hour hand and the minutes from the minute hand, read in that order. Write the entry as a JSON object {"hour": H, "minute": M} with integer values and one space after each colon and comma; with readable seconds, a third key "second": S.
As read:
{"hour": 10, "minute": 52}
